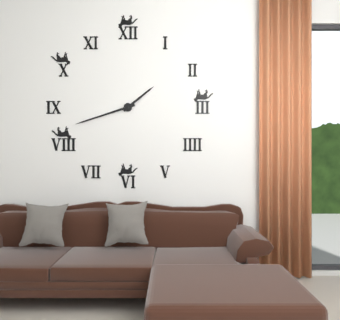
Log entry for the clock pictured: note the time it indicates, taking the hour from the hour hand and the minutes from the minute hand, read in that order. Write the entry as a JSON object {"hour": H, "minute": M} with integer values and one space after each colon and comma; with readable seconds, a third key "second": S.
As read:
{"hour": 1, "minute": 42}
